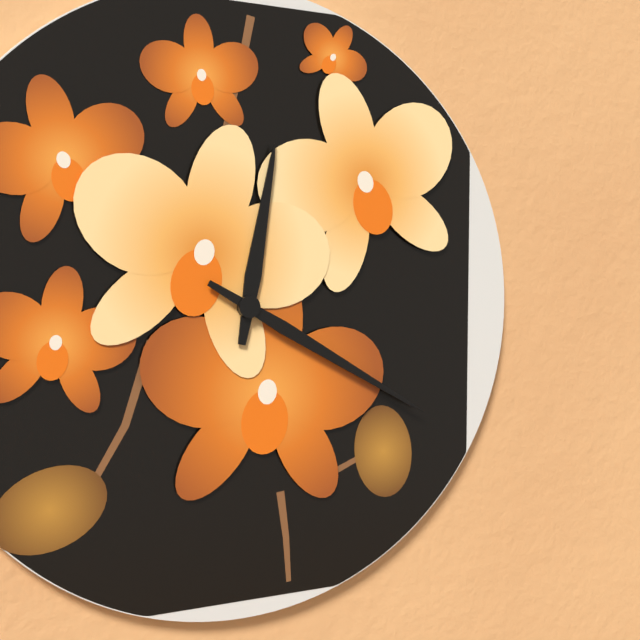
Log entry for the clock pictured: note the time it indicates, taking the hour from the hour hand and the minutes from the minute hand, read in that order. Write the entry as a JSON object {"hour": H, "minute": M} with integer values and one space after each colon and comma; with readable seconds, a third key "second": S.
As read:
{"hour": 12, "minute": 20}
